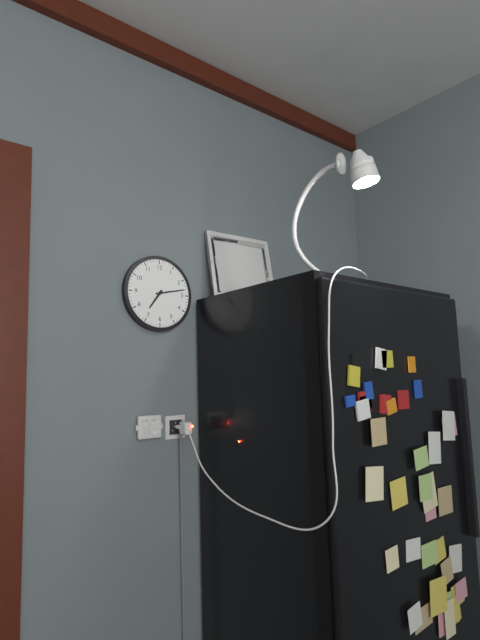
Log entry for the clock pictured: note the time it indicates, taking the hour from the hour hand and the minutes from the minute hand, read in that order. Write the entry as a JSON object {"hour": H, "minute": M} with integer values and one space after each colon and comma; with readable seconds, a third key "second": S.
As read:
{"hour": 7, "minute": 13}
